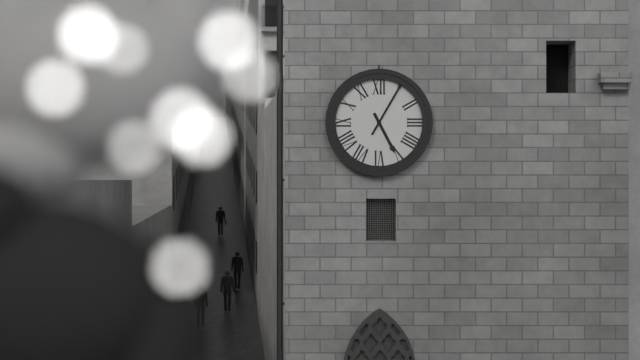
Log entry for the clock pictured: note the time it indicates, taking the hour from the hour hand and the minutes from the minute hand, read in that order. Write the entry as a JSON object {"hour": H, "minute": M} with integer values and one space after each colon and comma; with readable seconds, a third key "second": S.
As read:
{"hour": 5, "minute": 5}
